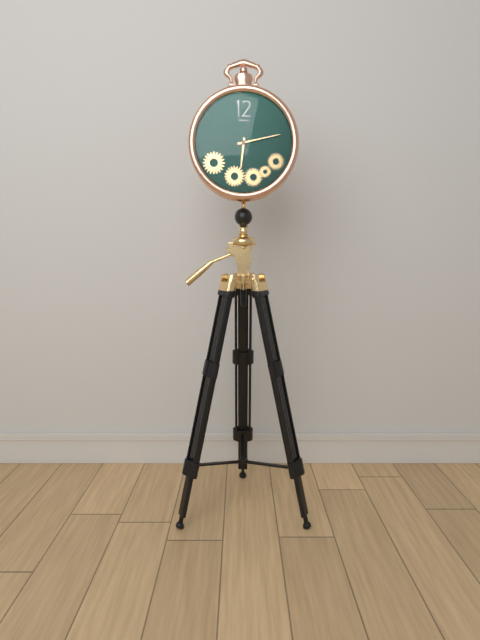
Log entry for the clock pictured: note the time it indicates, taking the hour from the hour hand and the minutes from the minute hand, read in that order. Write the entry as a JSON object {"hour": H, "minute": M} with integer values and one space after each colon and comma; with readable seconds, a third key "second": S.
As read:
{"hour": 6, "minute": 13}
